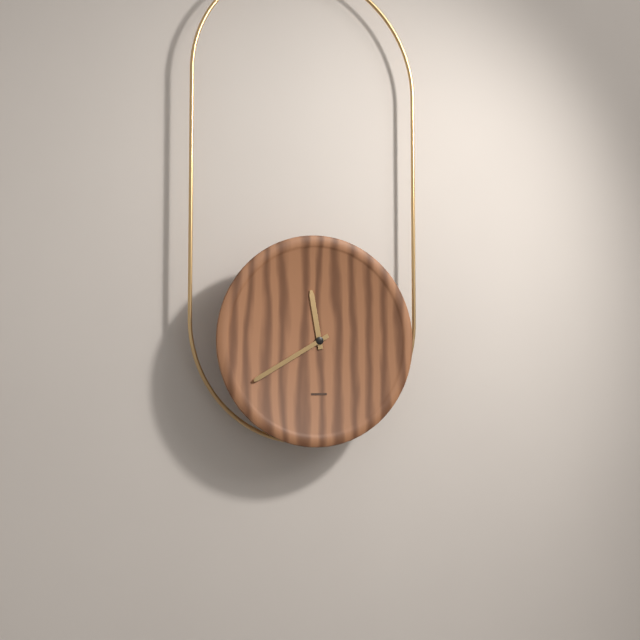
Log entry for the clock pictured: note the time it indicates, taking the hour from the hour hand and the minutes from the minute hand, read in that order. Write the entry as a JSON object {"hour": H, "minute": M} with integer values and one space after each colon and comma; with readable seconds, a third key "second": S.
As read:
{"hour": 11, "minute": 40}
